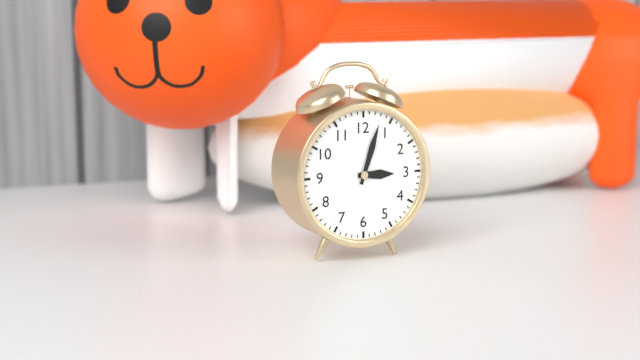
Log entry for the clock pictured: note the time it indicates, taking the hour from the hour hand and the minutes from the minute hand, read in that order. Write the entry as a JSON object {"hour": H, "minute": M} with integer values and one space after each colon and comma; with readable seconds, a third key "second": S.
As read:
{"hour": 3, "minute": 3}
